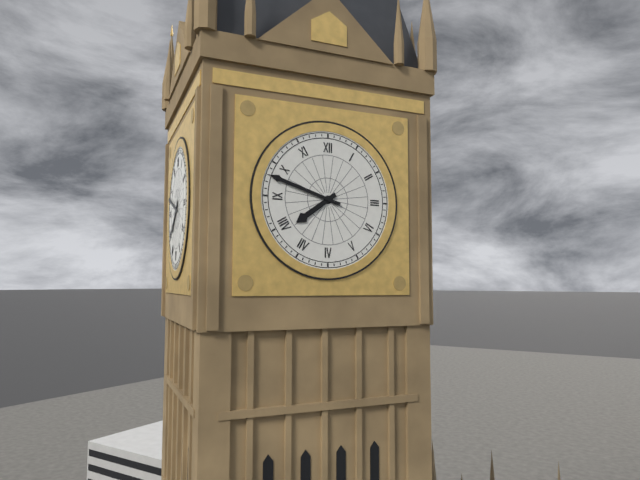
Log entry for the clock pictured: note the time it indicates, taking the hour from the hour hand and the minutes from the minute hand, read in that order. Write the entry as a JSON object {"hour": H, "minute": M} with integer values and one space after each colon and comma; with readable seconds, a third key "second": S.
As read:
{"hour": 7, "minute": 48}
